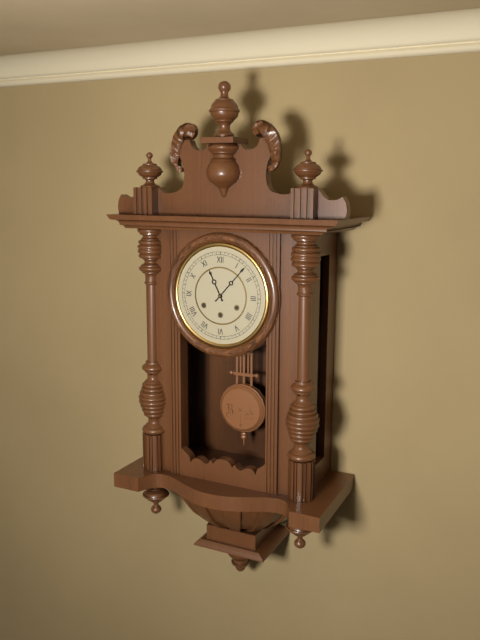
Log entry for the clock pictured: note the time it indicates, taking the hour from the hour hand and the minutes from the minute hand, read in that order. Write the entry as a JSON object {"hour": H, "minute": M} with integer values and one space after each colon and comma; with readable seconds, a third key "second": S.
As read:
{"hour": 11, "minute": 7}
